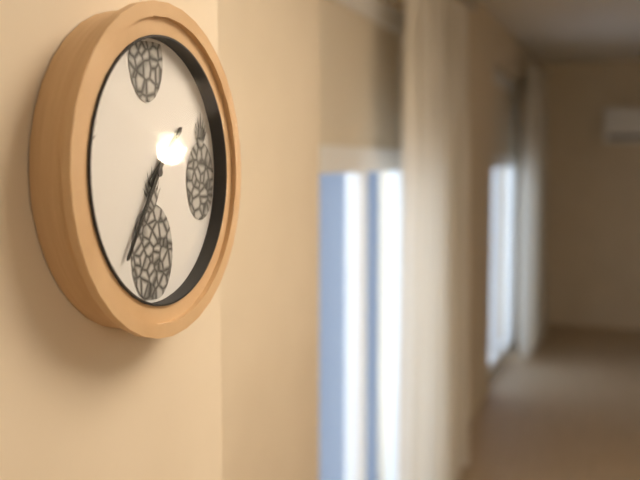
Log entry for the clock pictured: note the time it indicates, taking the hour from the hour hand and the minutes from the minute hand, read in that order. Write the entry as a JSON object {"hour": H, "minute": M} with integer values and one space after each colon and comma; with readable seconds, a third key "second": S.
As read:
{"hour": 1, "minute": 36}
